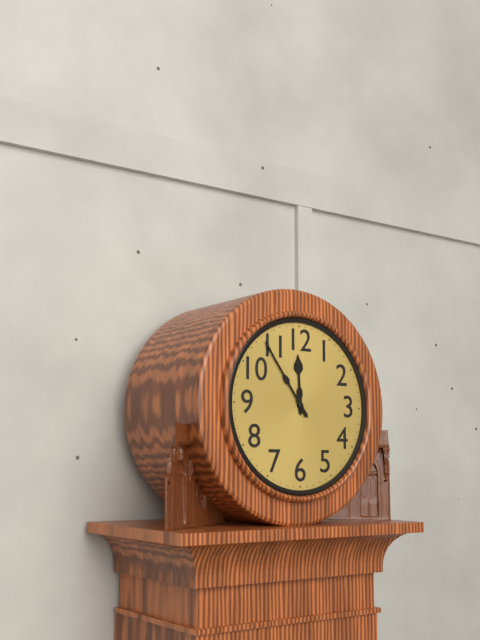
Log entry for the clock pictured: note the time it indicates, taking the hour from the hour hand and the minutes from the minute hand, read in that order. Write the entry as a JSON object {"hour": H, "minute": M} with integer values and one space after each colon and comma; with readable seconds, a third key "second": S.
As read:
{"hour": 11, "minute": 54}
